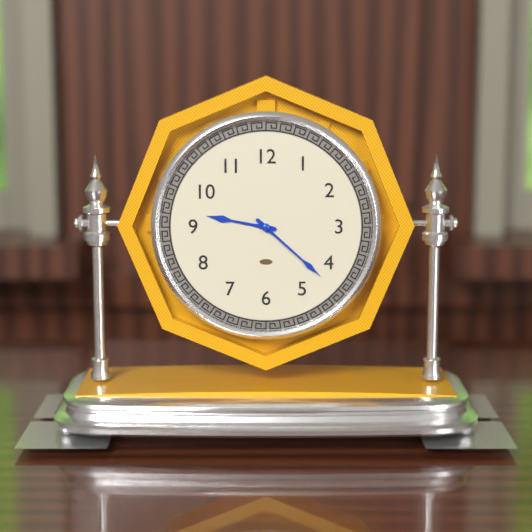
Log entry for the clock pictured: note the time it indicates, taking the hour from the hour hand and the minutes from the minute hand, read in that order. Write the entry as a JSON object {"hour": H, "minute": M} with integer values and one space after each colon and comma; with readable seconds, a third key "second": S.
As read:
{"hour": 9, "minute": 22}
